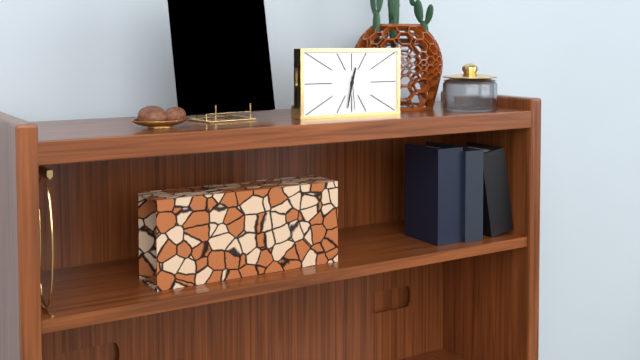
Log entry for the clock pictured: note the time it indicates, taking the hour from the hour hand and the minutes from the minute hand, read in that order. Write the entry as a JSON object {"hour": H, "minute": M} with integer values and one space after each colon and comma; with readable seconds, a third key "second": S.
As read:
{"hour": 12, "minute": 32}
